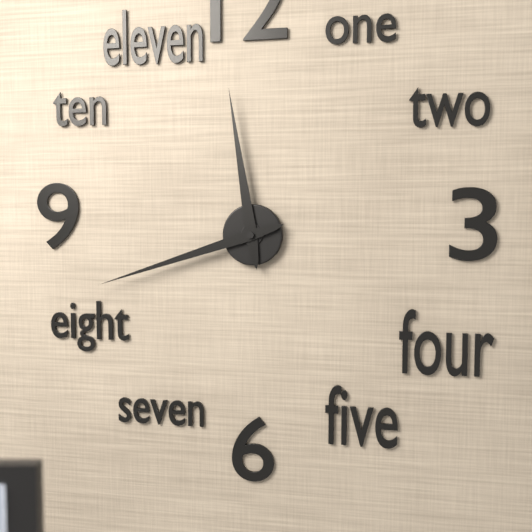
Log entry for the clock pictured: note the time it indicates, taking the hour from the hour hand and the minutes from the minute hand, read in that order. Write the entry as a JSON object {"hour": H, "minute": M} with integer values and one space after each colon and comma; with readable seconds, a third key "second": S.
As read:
{"hour": 11, "minute": 42}
